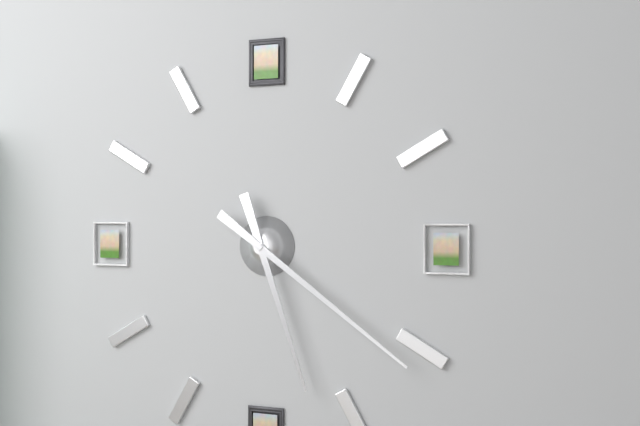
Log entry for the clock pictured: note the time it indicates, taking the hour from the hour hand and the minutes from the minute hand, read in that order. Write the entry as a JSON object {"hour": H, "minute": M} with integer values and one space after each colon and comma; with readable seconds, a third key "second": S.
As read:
{"hour": 5, "minute": 21}
